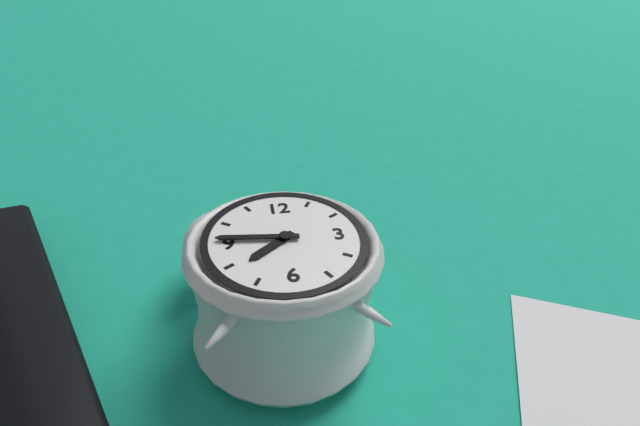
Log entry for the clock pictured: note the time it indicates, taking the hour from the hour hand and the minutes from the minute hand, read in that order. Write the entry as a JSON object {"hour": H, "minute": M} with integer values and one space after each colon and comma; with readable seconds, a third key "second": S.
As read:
{"hour": 7, "minute": 46}
